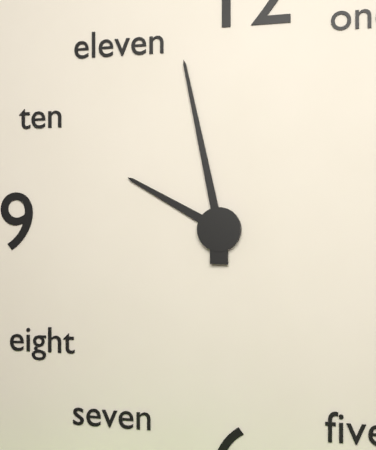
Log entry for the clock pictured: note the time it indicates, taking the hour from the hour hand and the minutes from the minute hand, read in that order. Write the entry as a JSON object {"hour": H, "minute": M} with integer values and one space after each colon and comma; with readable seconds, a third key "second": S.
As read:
{"hour": 9, "minute": 58}
